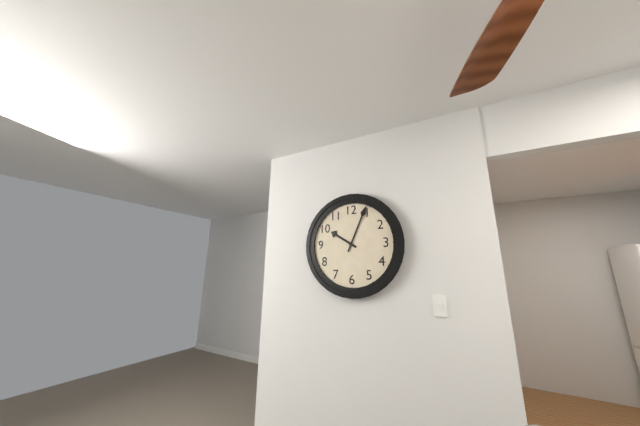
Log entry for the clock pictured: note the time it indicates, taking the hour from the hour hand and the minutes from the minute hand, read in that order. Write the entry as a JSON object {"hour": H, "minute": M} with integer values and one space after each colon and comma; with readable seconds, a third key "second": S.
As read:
{"hour": 10, "minute": 4}
